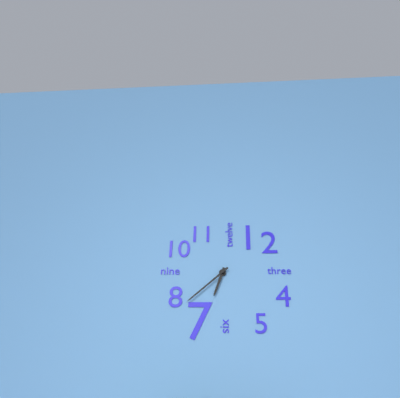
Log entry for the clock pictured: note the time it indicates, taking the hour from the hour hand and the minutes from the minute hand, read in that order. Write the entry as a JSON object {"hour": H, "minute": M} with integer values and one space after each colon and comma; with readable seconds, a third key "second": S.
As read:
{"hour": 6, "minute": 38}
